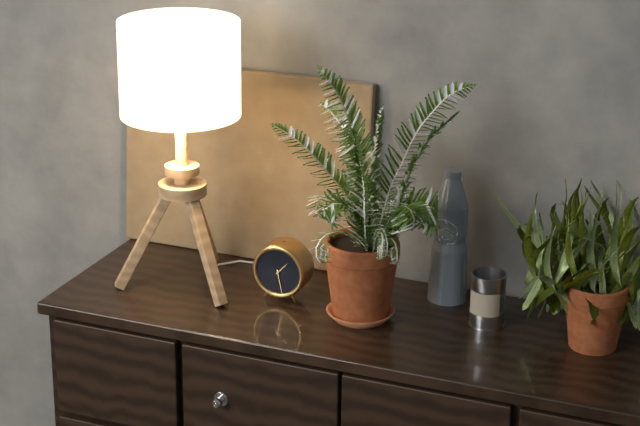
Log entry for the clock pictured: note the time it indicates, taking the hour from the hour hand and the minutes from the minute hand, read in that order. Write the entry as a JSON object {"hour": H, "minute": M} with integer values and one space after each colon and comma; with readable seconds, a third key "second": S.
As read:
{"hour": 1, "minute": 28}
